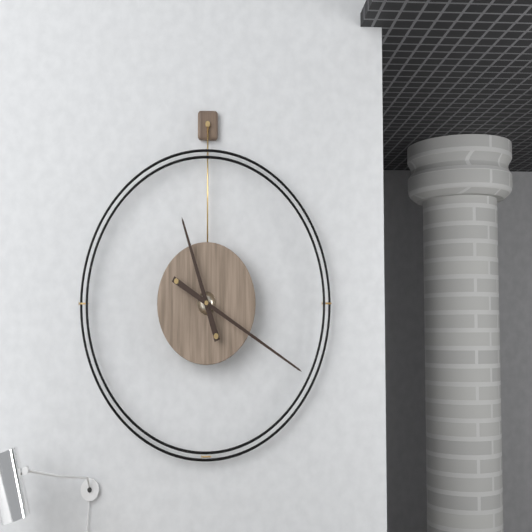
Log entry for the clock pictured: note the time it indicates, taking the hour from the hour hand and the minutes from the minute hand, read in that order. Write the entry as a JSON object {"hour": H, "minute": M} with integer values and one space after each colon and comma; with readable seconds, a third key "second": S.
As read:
{"hour": 11, "minute": 20}
